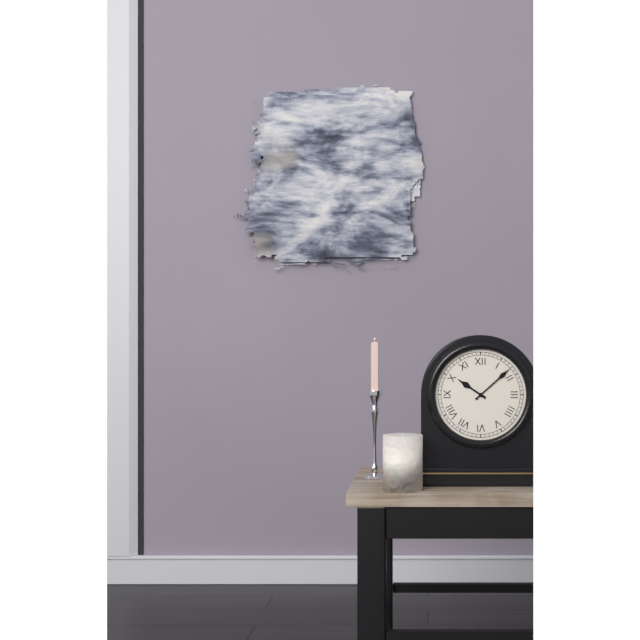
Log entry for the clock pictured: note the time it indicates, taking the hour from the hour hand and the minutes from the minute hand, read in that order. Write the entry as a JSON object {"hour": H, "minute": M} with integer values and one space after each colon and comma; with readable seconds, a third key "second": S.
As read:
{"hour": 10, "minute": 8}
